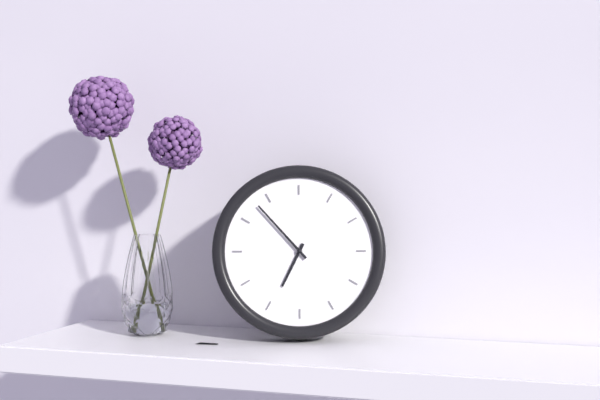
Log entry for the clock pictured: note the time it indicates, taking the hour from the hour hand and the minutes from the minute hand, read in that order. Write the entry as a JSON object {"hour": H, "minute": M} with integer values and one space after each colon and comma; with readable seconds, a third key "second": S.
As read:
{"hour": 6, "minute": 53}
